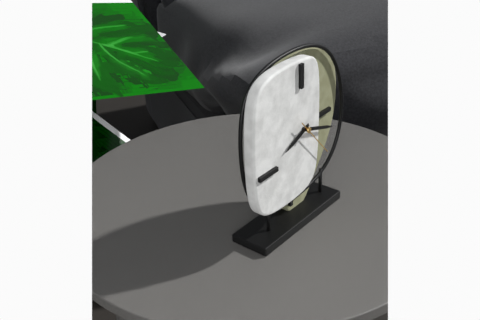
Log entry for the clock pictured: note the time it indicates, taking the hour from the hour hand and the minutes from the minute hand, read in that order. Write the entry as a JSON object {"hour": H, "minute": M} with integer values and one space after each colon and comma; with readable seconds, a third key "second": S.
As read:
{"hour": 8, "minute": 18}
